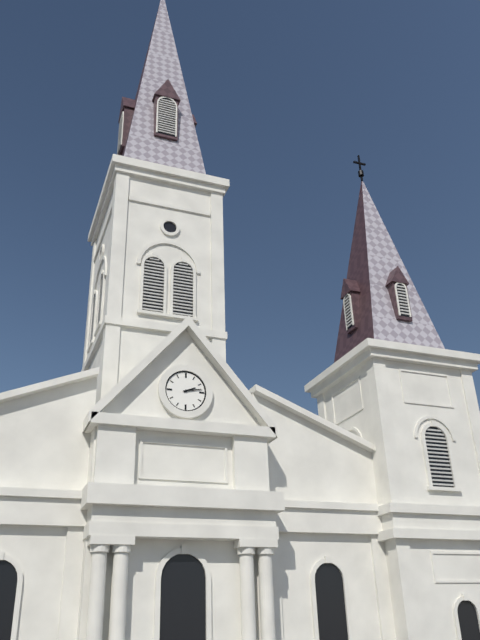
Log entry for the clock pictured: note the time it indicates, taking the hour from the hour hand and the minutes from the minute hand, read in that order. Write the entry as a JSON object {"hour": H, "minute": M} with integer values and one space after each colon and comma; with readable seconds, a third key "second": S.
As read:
{"hour": 2, "minute": 13}
